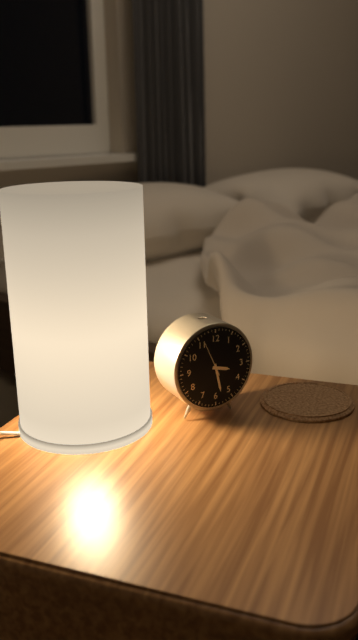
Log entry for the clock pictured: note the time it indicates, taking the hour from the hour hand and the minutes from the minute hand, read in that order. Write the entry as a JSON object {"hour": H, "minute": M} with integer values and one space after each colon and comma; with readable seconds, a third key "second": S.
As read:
{"hour": 3, "minute": 28}
